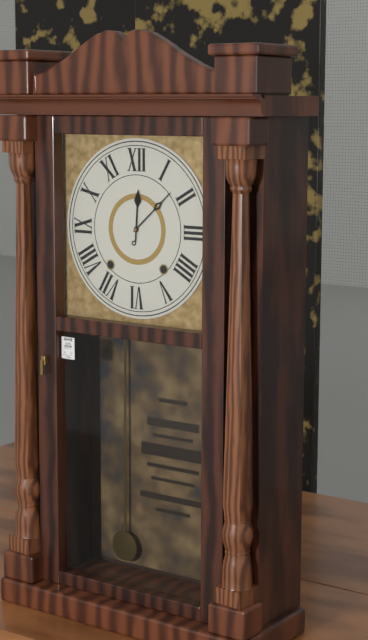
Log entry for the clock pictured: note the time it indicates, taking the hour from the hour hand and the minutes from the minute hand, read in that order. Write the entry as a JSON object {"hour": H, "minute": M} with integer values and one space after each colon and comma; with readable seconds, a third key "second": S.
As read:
{"hour": 12, "minute": 8}
